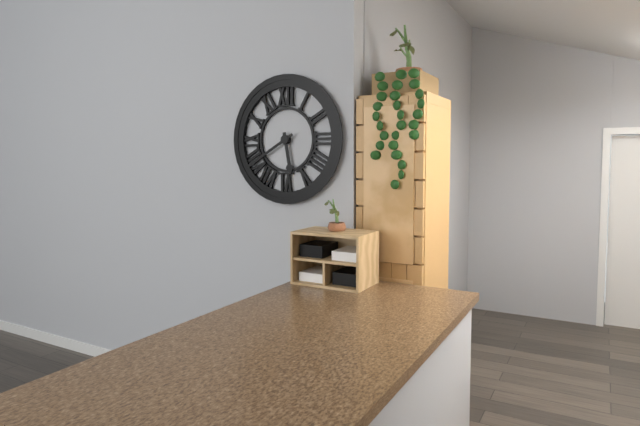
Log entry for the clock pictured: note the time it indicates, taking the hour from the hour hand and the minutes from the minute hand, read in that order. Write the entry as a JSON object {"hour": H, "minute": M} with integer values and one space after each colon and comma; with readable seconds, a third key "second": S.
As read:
{"hour": 5, "minute": 40}
